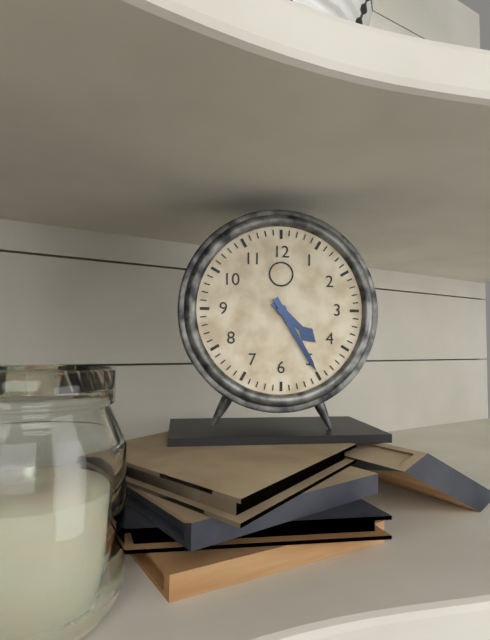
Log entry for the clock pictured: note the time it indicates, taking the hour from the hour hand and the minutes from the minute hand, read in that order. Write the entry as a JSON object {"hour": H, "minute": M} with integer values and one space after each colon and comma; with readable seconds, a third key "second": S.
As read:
{"hour": 4, "minute": 25}
